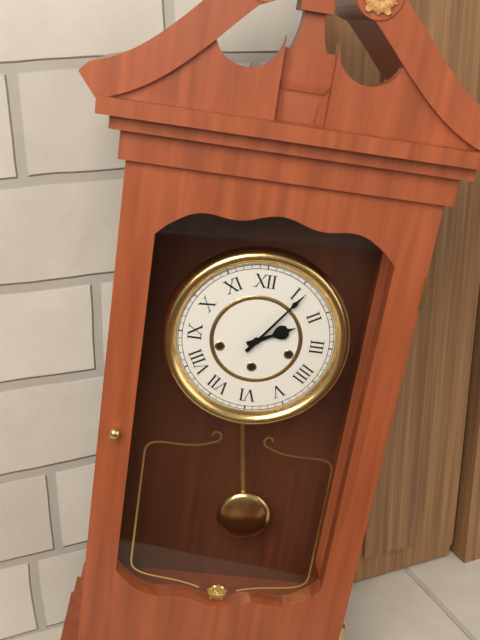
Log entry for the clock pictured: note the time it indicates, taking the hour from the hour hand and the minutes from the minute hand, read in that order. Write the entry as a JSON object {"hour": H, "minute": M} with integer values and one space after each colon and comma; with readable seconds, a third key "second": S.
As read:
{"hour": 2, "minute": 6}
